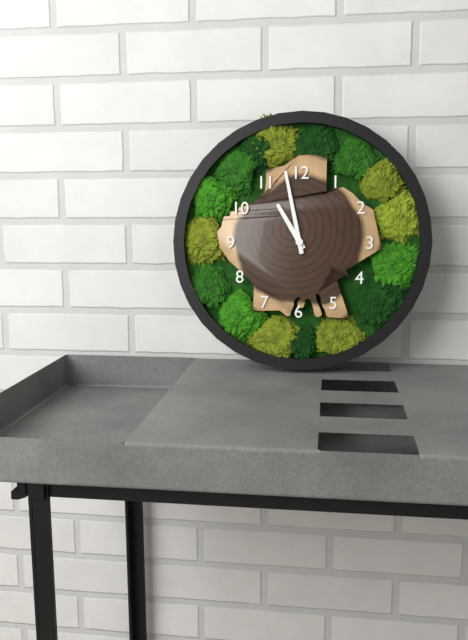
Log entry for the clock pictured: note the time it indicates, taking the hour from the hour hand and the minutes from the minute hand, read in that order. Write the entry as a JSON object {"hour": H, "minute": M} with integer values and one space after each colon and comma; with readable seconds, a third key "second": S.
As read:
{"hour": 10, "minute": 58}
